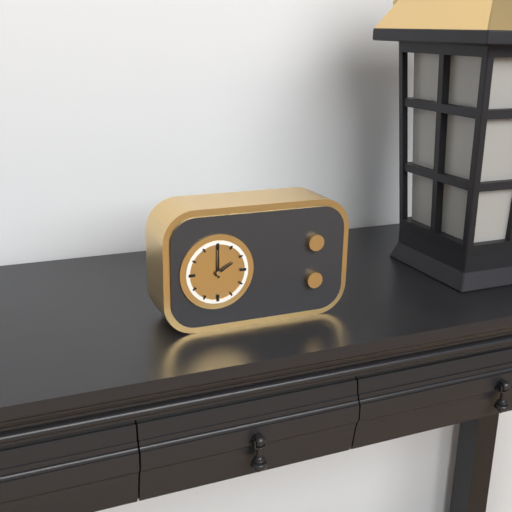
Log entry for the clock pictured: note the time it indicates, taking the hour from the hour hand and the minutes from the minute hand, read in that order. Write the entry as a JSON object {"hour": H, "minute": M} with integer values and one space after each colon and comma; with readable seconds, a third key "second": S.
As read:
{"hour": 2, "minute": 0}
